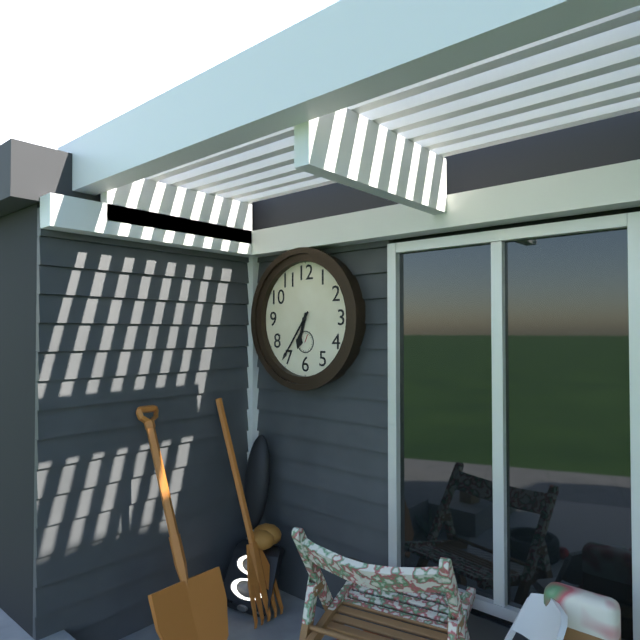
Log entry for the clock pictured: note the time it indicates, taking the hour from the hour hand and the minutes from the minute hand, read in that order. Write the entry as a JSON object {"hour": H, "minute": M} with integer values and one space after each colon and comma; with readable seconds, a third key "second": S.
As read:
{"hour": 6, "minute": 36}
